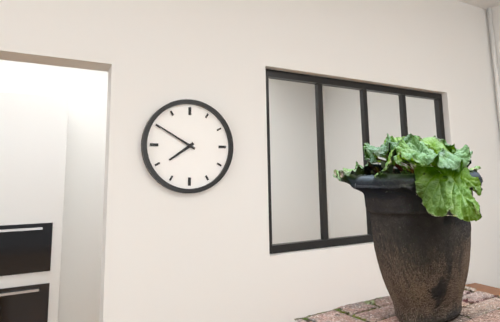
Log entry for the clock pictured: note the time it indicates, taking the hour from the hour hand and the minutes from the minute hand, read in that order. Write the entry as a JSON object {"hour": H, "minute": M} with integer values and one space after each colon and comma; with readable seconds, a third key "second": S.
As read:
{"hour": 7, "minute": 50}
